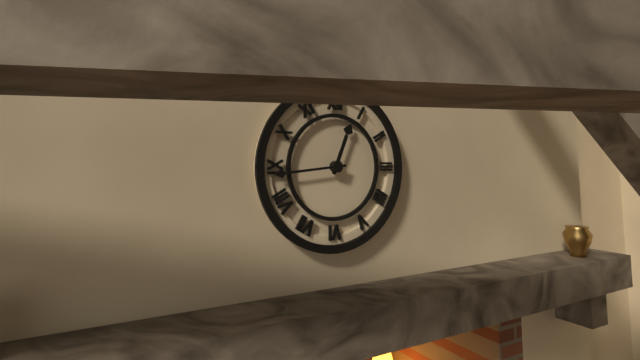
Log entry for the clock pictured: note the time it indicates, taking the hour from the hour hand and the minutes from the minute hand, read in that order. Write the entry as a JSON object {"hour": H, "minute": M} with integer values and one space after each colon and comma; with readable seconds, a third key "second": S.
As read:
{"hour": 12, "minute": 44}
